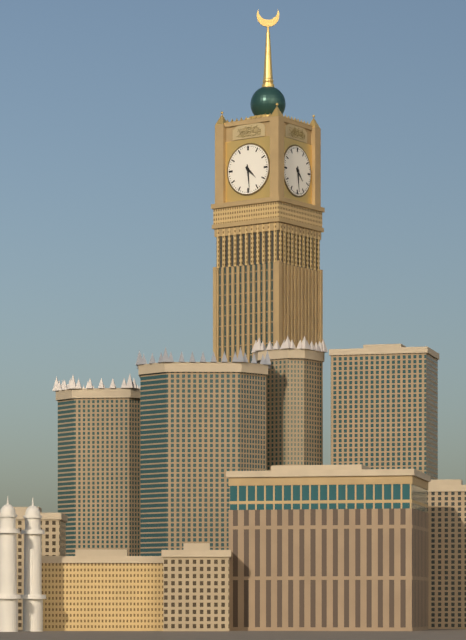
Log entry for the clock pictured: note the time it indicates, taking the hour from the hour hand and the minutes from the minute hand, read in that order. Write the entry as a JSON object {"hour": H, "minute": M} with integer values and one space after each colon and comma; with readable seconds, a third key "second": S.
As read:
{"hour": 4, "minute": 29}
